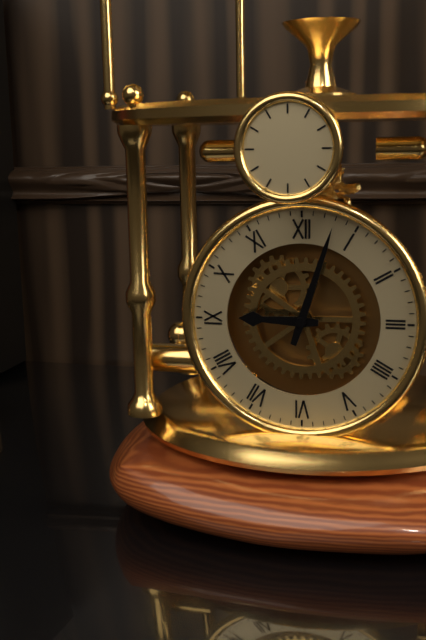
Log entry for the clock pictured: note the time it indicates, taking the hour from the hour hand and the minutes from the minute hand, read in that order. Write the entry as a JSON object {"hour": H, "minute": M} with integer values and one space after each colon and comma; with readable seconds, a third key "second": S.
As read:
{"hour": 9, "minute": 3}
